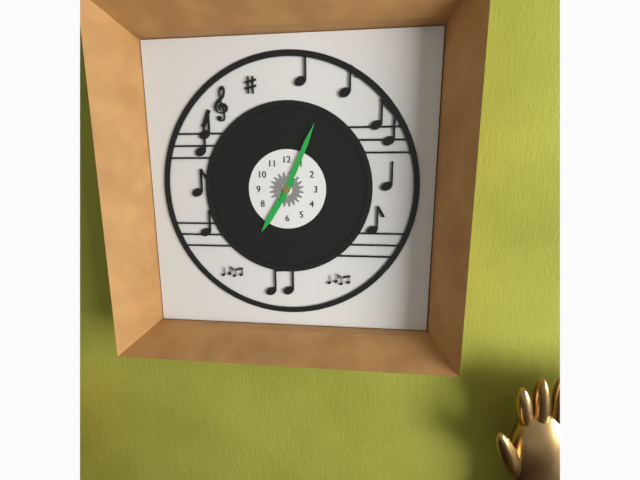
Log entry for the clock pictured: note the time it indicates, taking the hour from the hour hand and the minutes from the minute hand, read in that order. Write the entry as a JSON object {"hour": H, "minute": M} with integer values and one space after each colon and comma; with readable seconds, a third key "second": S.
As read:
{"hour": 7, "minute": 4}
